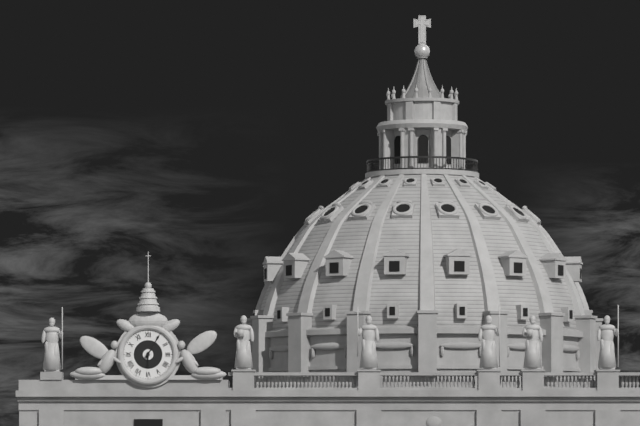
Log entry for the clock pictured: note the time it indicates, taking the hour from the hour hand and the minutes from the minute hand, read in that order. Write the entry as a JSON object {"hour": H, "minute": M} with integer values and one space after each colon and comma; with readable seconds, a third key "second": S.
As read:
{"hour": 6, "minute": 5}
